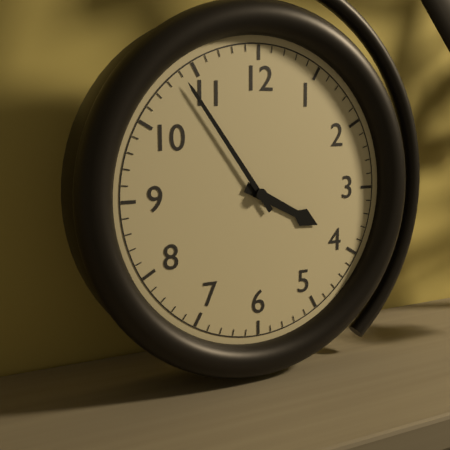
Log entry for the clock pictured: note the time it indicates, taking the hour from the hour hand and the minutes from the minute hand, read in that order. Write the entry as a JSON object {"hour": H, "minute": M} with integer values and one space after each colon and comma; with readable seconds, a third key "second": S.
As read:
{"hour": 3, "minute": 54}
